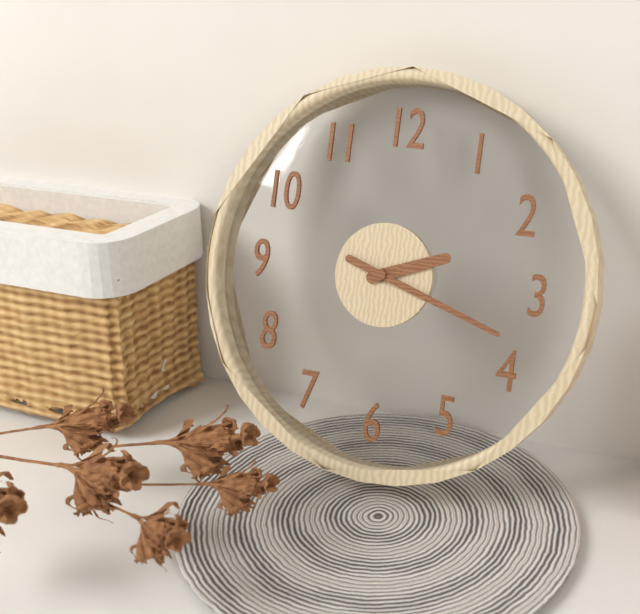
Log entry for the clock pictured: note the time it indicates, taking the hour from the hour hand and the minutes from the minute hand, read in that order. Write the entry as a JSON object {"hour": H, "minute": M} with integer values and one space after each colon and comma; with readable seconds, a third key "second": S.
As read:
{"hour": 2, "minute": 18}
